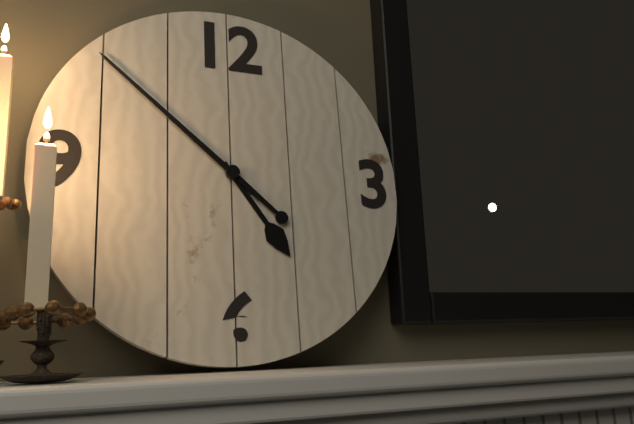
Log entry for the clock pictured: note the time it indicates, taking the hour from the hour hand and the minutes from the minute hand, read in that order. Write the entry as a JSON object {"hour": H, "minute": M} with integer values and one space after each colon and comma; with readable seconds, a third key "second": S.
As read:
{"hour": 4, "minute": 52}
